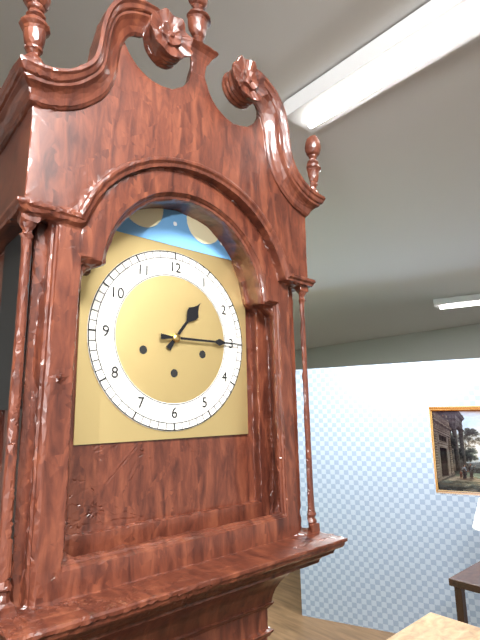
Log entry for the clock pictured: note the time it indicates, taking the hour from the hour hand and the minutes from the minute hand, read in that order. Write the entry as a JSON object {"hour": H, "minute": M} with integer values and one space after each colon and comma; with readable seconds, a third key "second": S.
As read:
{"hour": 1, "minute": 15}
